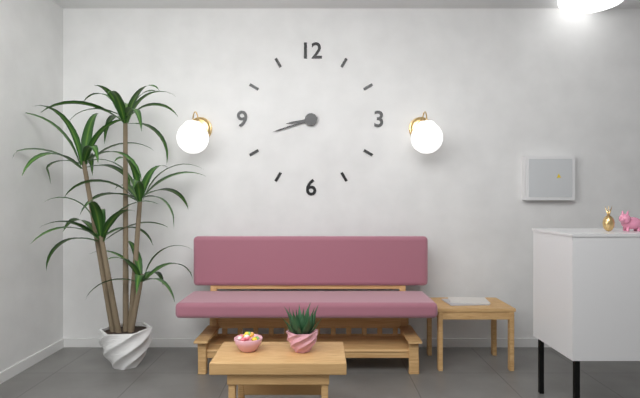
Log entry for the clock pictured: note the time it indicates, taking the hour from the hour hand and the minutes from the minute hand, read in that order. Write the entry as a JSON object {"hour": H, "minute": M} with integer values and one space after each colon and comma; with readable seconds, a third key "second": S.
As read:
{"hour": 8, "minute": 42}
